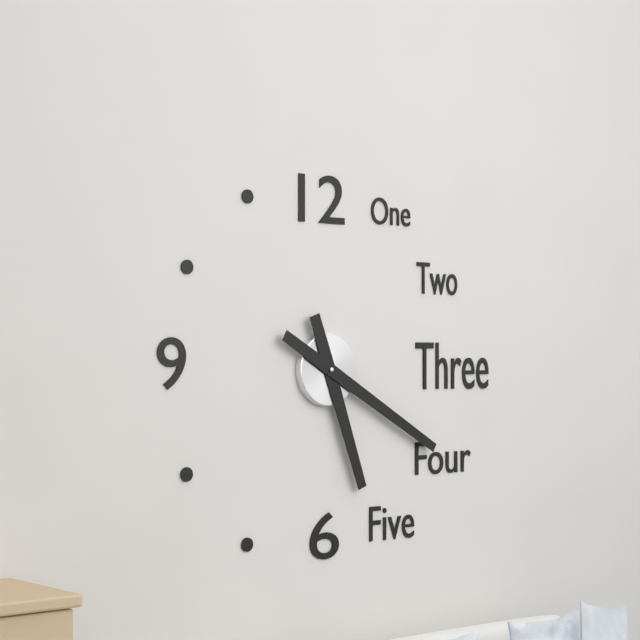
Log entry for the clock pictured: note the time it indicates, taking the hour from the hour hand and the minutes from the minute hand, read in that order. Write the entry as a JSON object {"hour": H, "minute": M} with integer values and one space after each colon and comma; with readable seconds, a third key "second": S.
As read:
{"hour": 5, "minute": 20}
